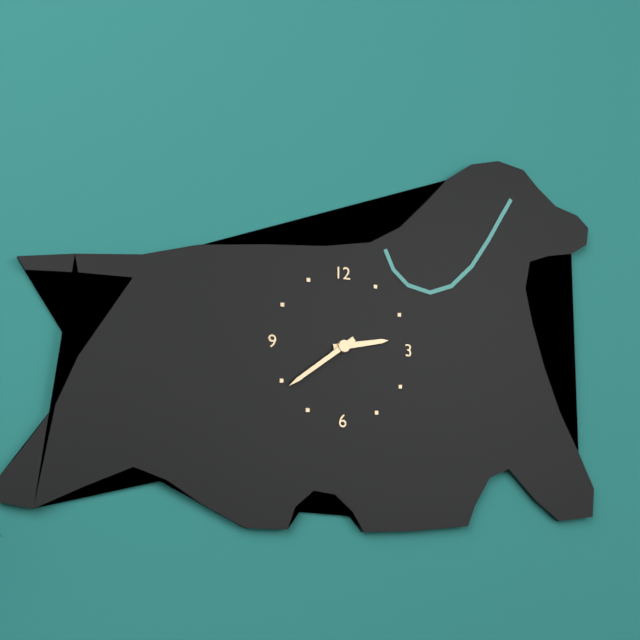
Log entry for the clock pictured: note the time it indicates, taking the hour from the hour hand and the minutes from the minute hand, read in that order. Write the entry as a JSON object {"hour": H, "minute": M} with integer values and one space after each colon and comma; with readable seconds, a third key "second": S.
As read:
{"hour": 2, "minute": 39}
